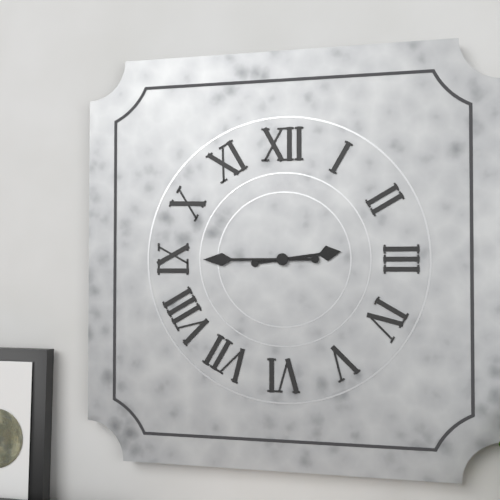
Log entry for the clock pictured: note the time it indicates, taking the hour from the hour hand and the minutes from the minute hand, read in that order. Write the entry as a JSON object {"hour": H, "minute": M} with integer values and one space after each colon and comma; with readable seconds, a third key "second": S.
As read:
{"hour": 2, "minute": 45}
